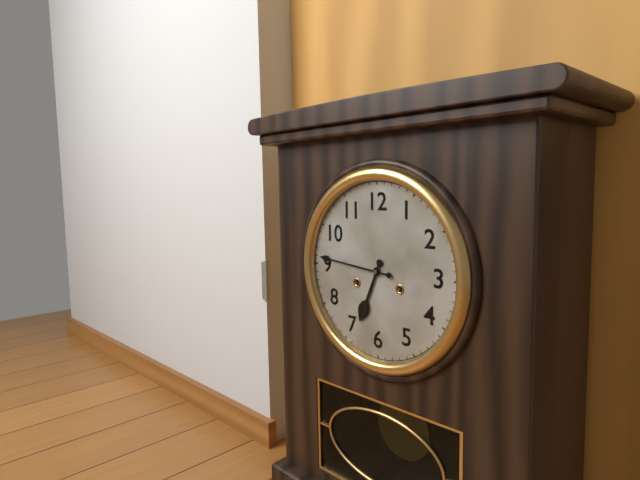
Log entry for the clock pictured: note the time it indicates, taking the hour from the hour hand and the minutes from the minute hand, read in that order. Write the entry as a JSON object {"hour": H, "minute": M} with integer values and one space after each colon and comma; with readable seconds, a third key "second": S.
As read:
{"hour": 6, "minute": 46}
